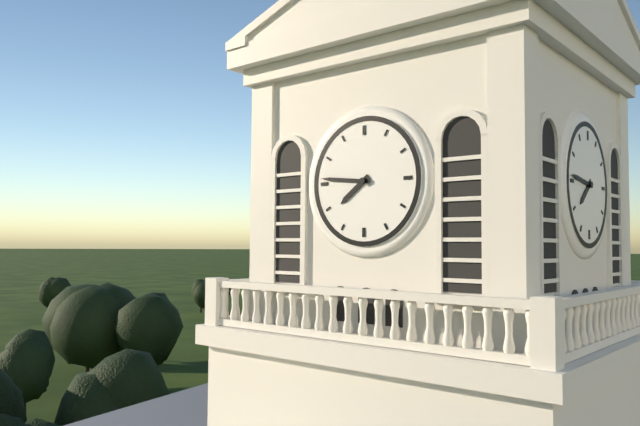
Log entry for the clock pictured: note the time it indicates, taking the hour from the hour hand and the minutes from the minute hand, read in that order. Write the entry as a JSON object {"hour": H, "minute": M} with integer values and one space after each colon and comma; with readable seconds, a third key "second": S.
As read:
{"hour": 7, "minute": 46}
